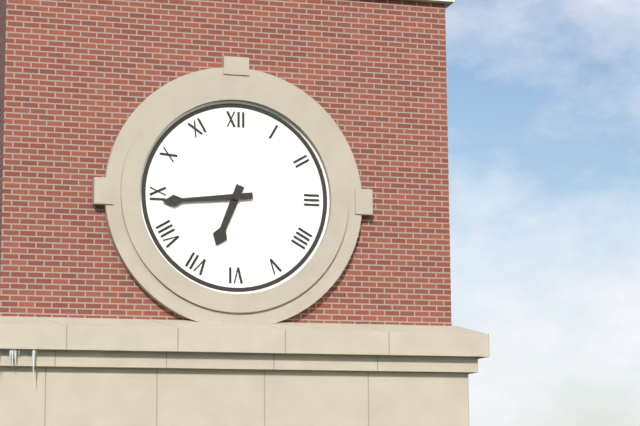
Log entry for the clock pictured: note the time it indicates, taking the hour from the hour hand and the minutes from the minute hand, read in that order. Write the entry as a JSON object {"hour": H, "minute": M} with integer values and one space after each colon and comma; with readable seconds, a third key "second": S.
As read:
{"hour": 6, "minute": 44}
